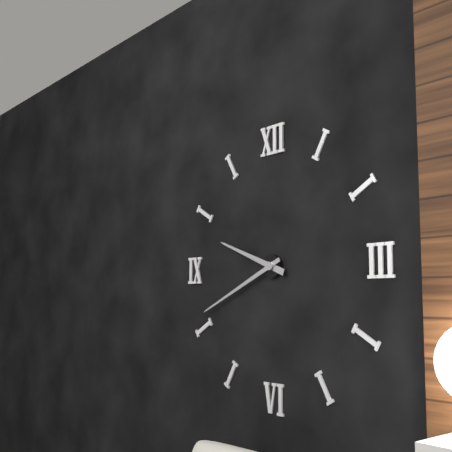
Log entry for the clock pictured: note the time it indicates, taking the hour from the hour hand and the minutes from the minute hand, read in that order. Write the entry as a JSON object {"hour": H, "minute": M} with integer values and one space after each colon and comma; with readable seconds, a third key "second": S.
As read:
{"hour": 9, "minute": 41}
